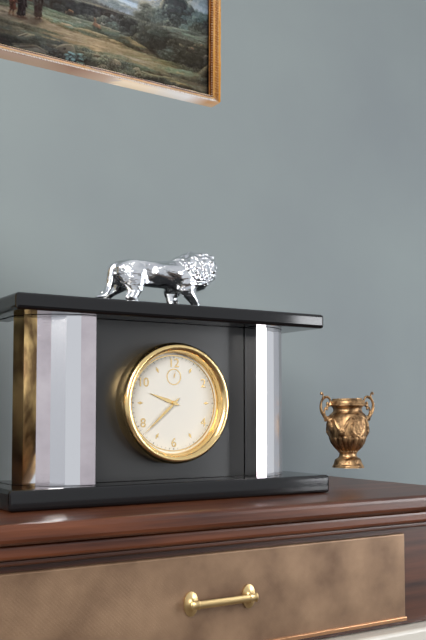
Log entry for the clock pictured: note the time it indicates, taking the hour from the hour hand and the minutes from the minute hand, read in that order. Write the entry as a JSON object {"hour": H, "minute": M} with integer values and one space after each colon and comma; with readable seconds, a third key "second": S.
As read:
{"hour": 9, "minute": 38}
